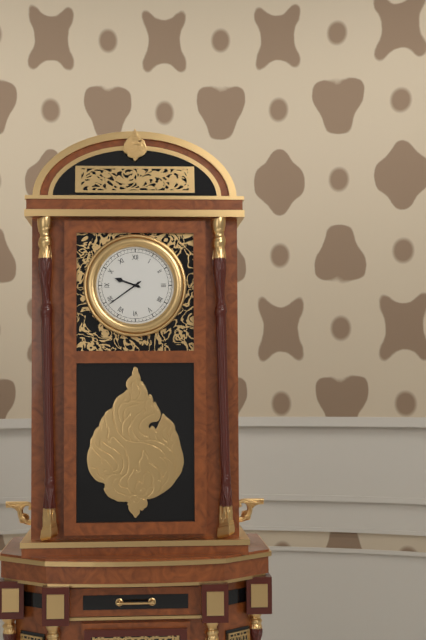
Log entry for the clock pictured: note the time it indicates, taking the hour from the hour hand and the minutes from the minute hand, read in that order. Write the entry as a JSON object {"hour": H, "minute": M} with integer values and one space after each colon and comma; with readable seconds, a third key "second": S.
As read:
{"hour": 9, "minute": 39}
